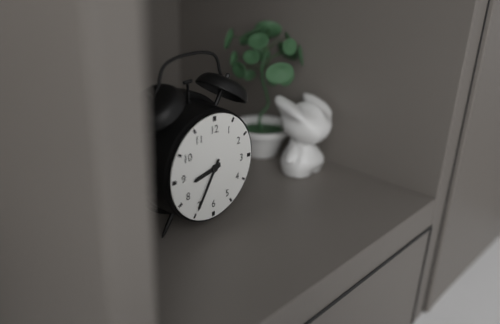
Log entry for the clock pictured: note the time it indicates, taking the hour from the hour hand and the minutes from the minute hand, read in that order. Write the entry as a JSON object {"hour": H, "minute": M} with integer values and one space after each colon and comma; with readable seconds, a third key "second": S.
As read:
{"hour": 8, "minute": 35}
